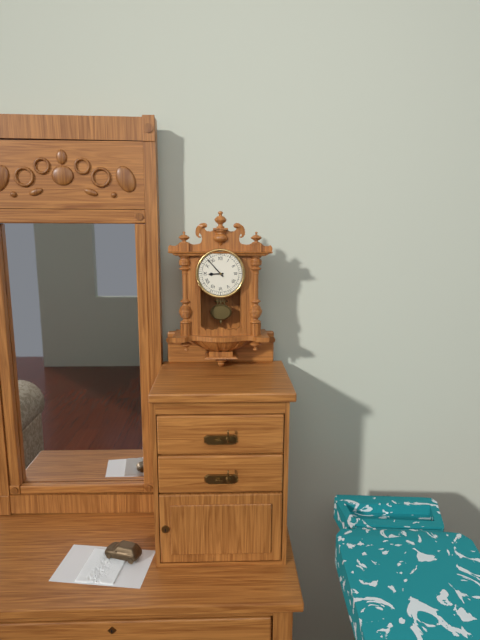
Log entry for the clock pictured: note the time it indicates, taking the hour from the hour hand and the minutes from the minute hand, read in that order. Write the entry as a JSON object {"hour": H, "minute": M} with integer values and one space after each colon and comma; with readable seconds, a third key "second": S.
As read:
{"hour": 8, "minute": 53}
